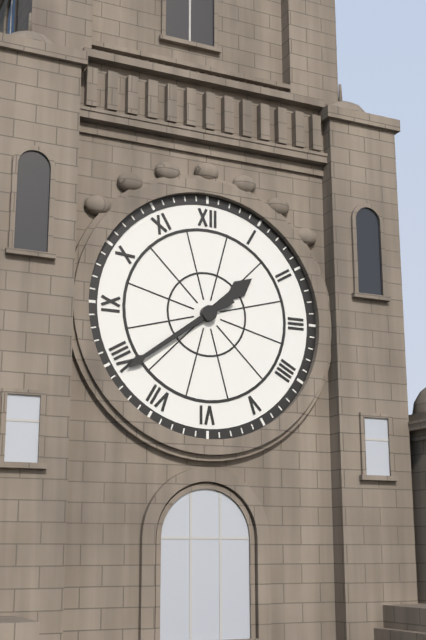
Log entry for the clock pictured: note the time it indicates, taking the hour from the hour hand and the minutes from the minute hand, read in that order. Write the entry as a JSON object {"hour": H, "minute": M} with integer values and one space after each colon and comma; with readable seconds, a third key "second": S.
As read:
{"hour": 1, "minute": 39}
